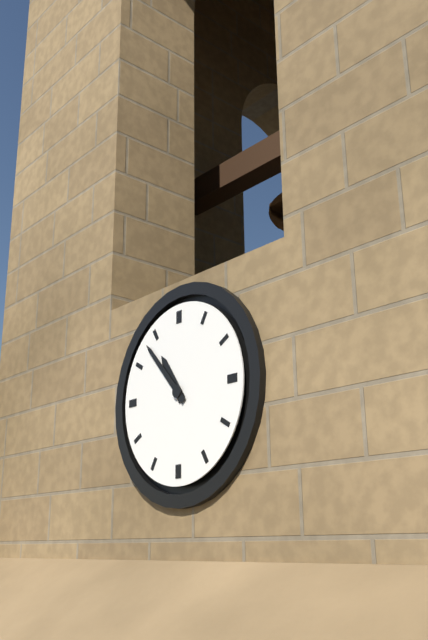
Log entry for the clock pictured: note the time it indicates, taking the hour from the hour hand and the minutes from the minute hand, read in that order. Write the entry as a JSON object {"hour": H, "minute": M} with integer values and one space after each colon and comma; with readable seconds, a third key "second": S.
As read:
{"hour": 10, "minute": 53}
